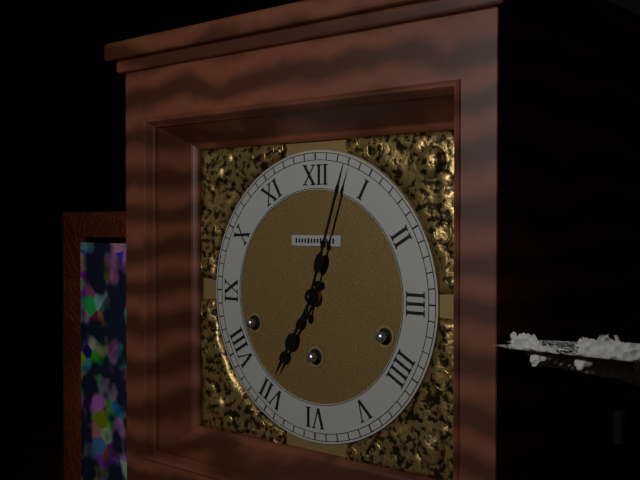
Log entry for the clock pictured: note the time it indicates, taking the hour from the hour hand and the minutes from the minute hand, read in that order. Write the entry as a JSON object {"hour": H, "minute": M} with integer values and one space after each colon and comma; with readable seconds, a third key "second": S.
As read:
{"hour": 7, "minute": 3}
